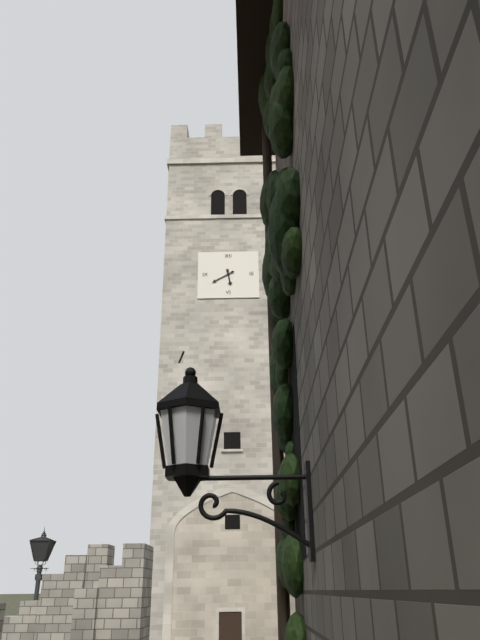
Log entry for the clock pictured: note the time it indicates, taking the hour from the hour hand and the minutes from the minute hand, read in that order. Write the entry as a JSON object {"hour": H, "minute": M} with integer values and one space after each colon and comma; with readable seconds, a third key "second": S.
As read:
{"hour": 5, "minute": 40}
